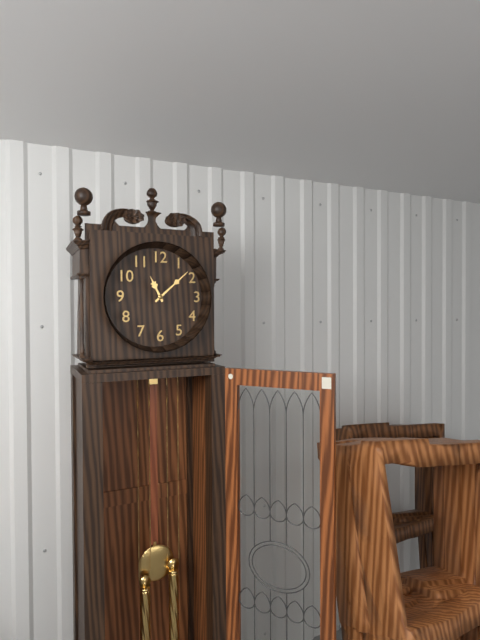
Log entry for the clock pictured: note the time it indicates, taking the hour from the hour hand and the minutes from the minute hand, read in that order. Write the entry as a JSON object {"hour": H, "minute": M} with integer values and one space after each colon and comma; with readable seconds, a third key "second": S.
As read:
{"hour": 11, "minute": 8}
